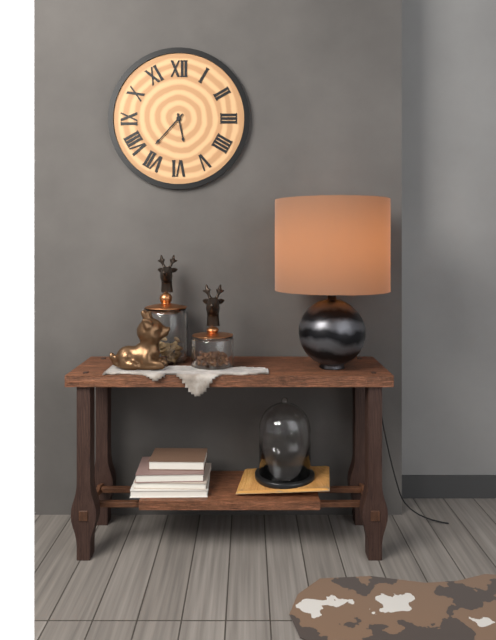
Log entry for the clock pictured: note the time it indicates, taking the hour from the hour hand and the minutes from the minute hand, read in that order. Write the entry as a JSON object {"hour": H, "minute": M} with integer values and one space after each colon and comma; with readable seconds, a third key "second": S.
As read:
{"hour": 5, "minute": 37}
